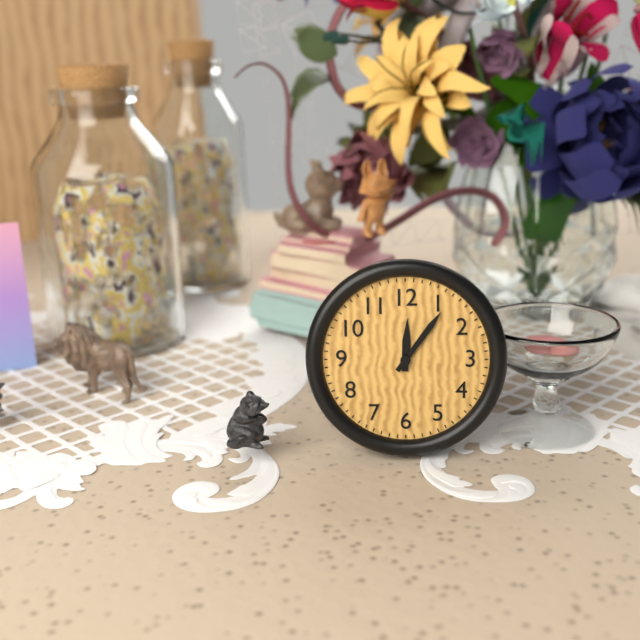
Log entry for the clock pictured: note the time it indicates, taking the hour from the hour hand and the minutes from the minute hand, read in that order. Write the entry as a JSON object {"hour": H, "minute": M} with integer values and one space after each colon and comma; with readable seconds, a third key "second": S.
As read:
{"hour": 12, "minute": 6}
